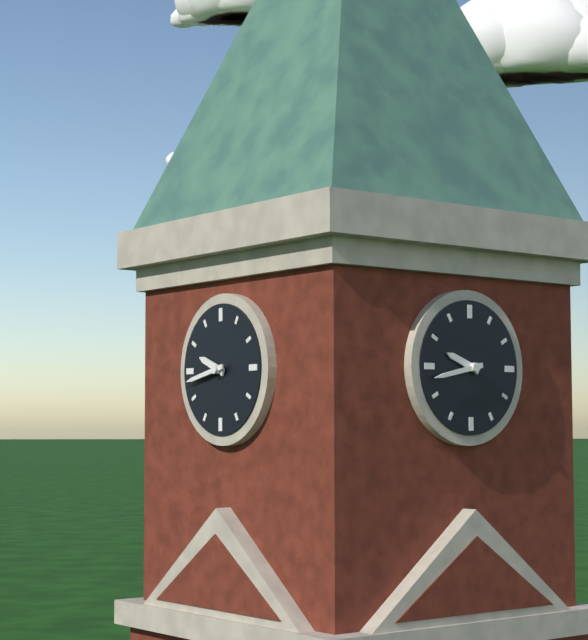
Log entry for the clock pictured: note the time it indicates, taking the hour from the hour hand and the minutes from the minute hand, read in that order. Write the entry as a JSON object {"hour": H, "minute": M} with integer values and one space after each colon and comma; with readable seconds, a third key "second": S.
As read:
{"hour": 9, "minute": 43}
